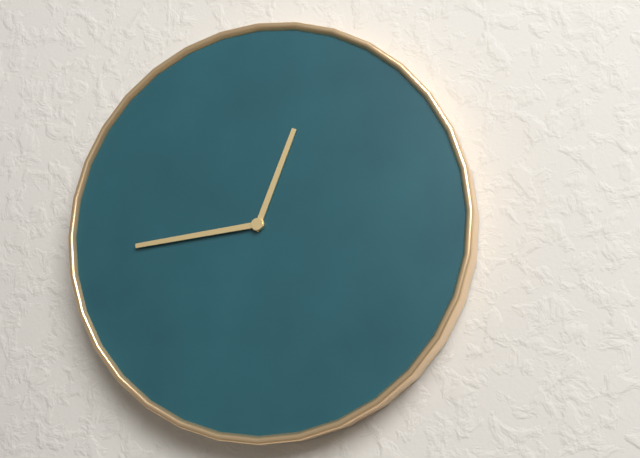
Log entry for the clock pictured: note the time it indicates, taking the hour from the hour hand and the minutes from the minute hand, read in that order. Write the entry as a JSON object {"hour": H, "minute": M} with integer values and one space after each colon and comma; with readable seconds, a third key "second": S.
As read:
{"hour": 12, "minute": 44}
